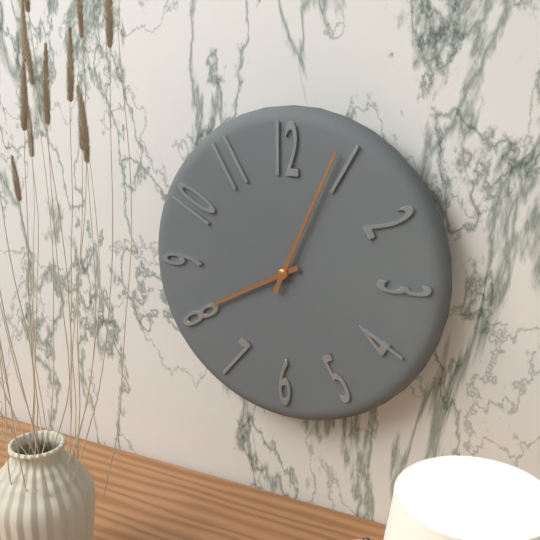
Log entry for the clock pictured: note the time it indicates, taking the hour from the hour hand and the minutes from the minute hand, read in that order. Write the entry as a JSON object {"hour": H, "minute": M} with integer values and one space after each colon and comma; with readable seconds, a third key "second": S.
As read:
{"hour": 8, "minute": 4}
